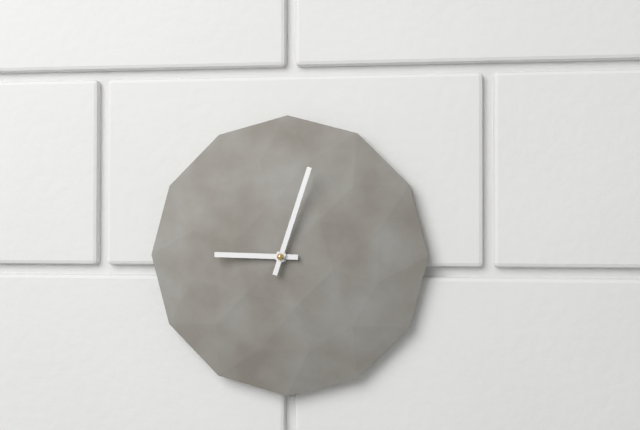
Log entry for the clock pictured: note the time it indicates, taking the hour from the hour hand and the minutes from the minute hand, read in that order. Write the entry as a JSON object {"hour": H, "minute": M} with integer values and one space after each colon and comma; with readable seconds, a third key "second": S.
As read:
{"hour": 9, "minute": 3}
